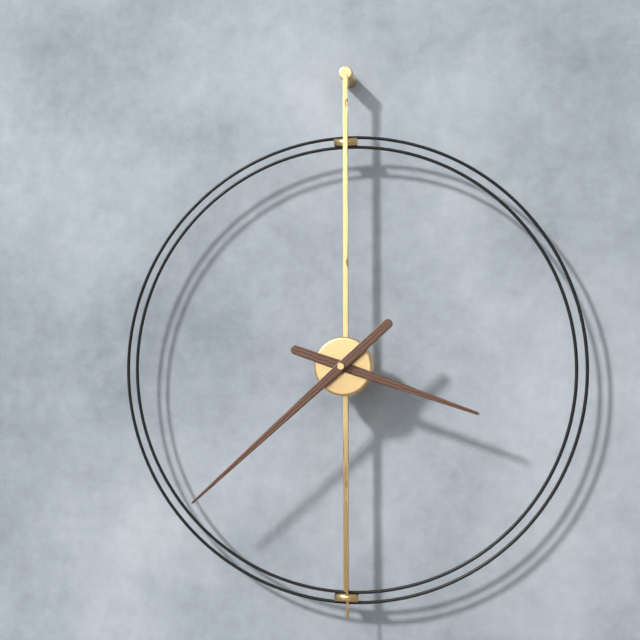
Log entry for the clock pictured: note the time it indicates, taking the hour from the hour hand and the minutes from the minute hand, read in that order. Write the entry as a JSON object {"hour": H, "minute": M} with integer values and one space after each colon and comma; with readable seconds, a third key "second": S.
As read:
{"hour": 3, "minute": 38}
